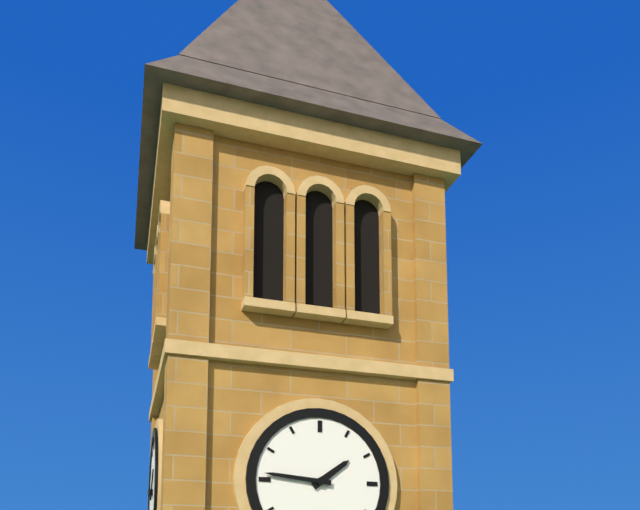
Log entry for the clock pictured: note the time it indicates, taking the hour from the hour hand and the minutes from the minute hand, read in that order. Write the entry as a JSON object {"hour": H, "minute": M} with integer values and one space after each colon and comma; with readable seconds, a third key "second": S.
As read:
{"hour": 1, "minute": 46}
